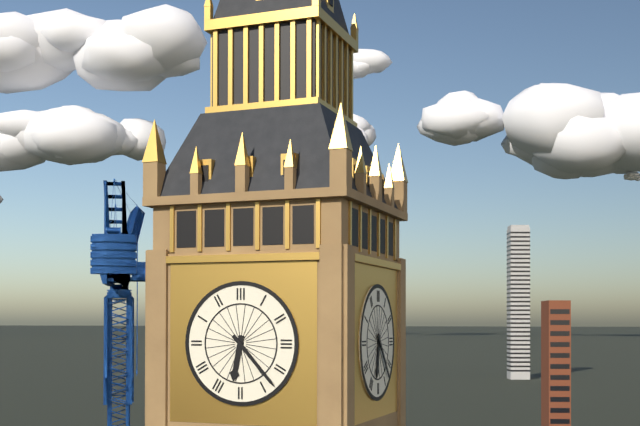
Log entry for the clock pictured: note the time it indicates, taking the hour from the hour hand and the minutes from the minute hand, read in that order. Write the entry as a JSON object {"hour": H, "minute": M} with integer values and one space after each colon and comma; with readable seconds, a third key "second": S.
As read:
{"hour": 6, "minute": 23}
